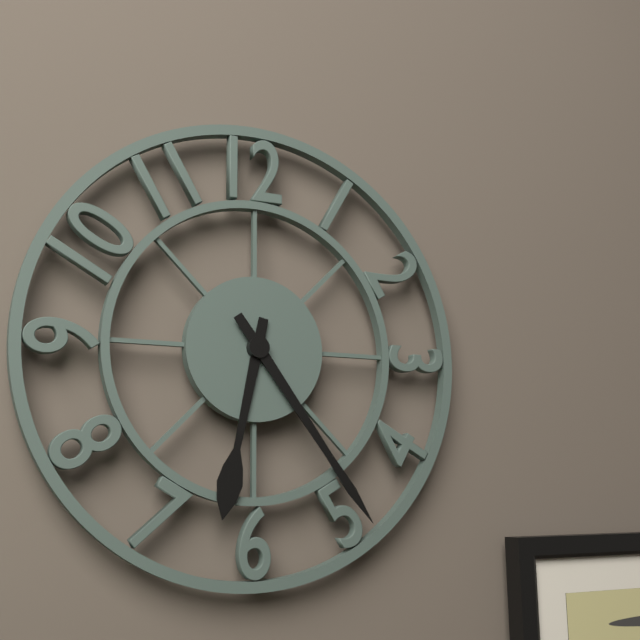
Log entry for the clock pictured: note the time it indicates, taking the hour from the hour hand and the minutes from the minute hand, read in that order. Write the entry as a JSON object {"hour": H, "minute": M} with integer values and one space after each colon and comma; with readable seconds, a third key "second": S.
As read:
{"hour": 6, "minute": 24}
